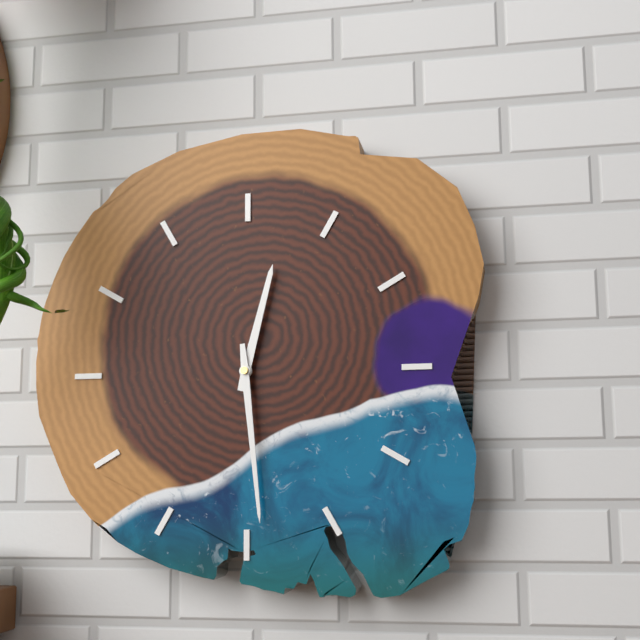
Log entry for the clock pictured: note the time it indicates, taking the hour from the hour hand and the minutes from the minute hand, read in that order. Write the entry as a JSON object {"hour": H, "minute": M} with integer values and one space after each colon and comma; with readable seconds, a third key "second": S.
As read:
{"hour": 12, "minute": 29}
